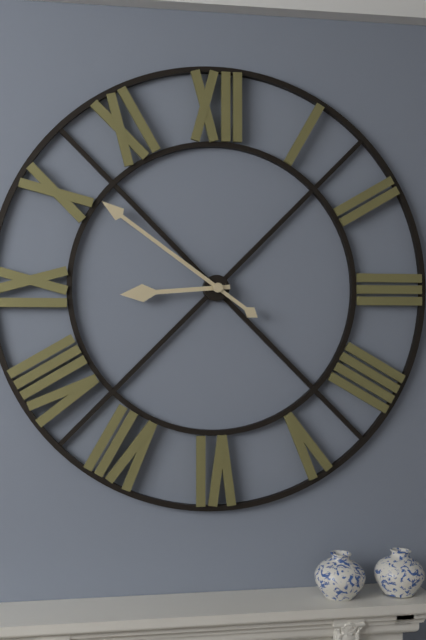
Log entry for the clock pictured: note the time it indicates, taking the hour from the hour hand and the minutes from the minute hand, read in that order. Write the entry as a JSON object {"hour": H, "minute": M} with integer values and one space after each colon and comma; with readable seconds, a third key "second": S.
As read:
{"hour": 8, "minute": 51}
